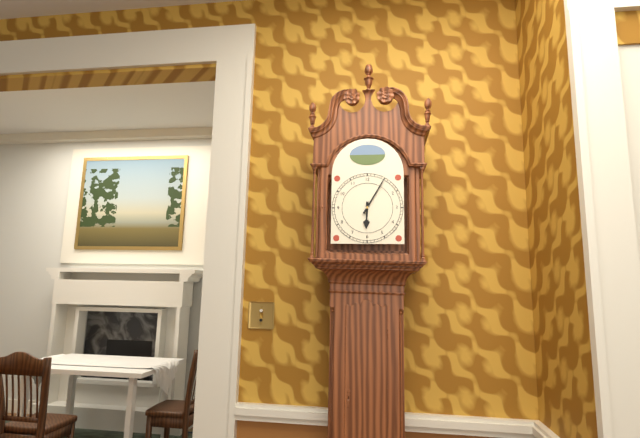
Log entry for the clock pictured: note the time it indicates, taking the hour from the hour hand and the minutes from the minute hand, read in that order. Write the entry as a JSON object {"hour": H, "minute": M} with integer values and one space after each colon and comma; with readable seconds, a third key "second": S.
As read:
{"hour": 6, "minute": 5}
